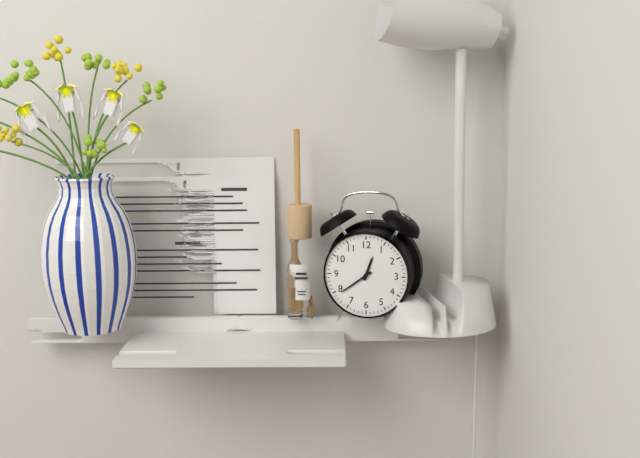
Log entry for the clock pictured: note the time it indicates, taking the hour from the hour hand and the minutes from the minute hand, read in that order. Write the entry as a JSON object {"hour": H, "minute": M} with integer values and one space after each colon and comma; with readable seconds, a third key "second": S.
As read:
{"hour": 12, "minute": 39}
